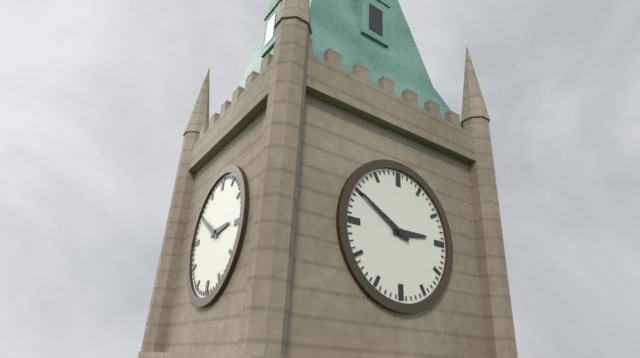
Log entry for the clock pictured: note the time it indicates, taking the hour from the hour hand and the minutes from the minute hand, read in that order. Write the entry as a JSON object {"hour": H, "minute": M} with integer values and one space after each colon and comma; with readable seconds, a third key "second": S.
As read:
{"hour": 2, "minute": 50}
